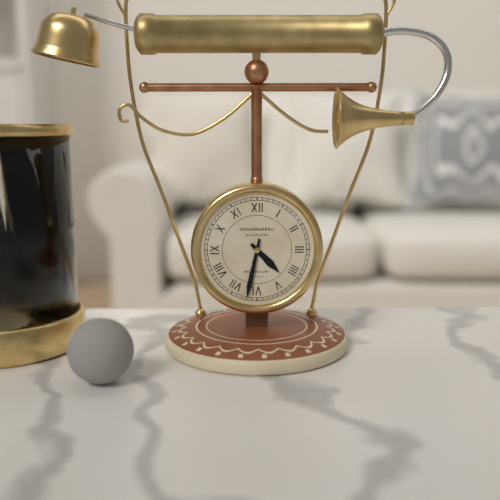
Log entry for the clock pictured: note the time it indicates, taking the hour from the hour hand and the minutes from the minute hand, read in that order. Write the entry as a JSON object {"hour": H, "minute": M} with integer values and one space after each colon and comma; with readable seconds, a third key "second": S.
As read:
{"hour": 4, "minute": 32}
